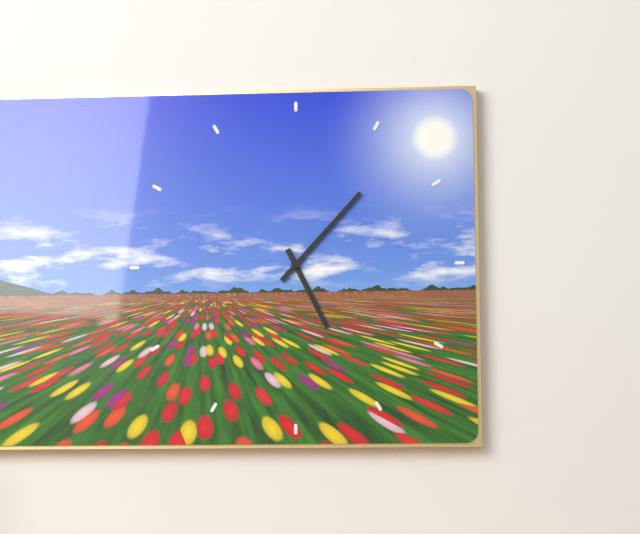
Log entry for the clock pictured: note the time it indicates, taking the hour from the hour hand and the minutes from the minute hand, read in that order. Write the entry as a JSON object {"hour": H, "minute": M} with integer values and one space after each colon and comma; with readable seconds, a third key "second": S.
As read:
{"hour": 5, "minute": 7}
